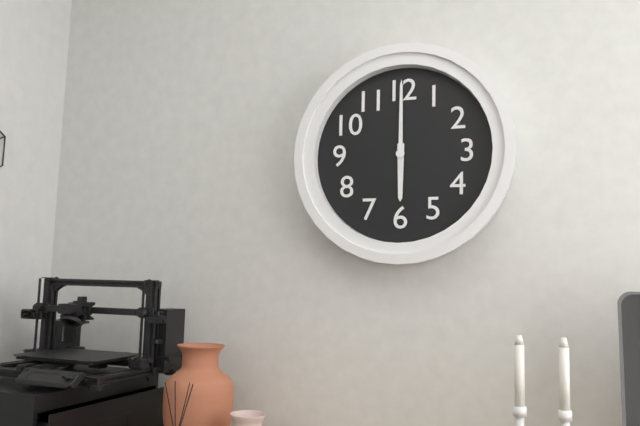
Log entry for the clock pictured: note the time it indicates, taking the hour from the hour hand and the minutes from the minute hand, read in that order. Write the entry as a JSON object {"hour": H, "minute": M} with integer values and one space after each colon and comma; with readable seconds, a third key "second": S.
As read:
{"hour": 6, "minute": 0}
